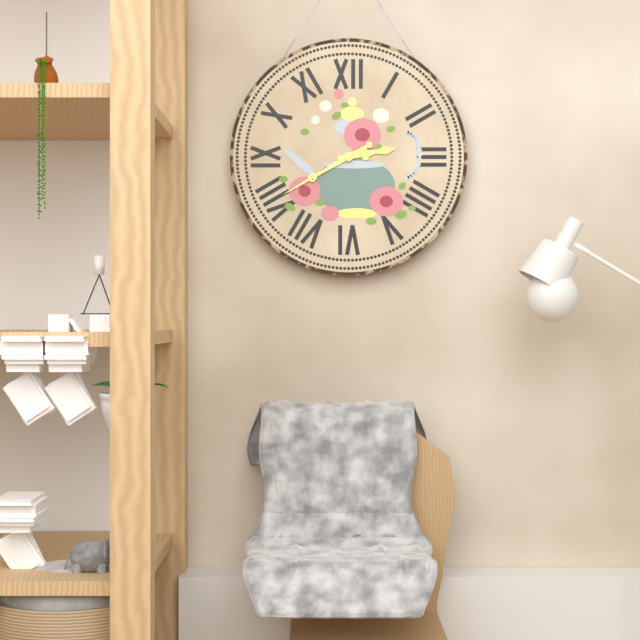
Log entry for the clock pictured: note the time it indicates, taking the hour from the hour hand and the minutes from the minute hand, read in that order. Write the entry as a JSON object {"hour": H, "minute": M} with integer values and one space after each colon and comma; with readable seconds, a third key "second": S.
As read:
{"hour": 2, "minute": 40}
